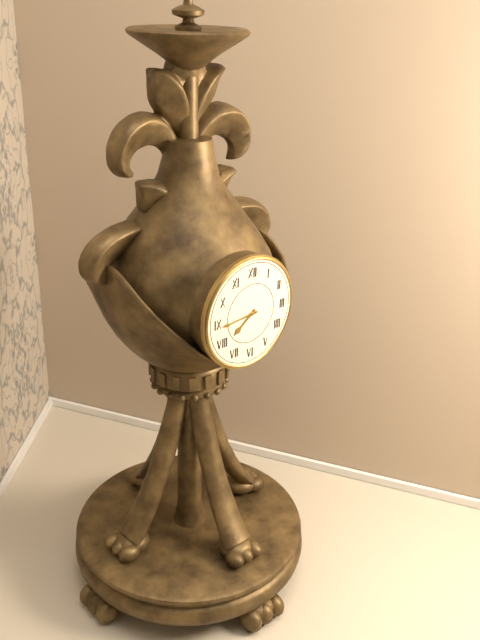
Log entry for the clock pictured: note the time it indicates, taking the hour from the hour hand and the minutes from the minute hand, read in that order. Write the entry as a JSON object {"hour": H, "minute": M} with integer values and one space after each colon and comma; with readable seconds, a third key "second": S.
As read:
{"hour": 7, "minute": 44}
